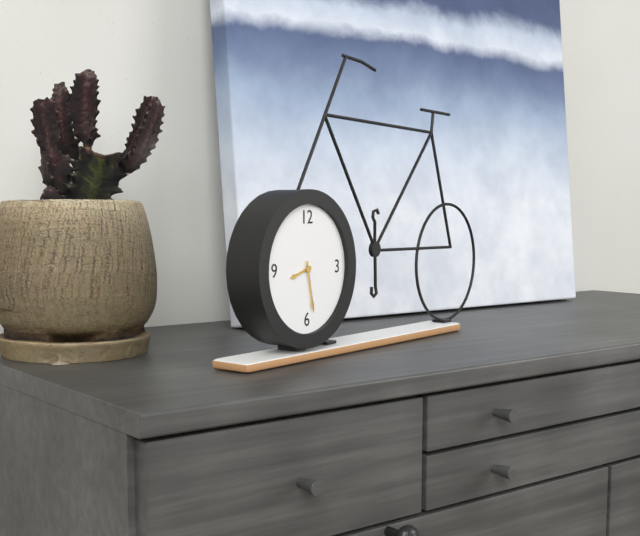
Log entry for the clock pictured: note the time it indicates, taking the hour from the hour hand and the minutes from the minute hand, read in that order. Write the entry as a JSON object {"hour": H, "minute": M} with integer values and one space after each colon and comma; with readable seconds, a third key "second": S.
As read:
{"hour": 8, "minute": 28}
